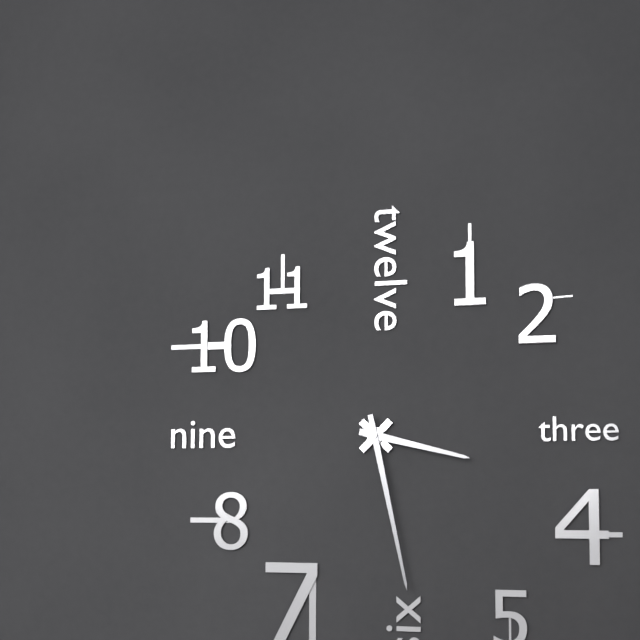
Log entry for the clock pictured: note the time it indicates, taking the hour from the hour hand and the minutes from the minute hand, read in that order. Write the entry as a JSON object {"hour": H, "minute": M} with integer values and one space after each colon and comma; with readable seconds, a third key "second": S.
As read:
{"hour": 3, "minute": 28}
